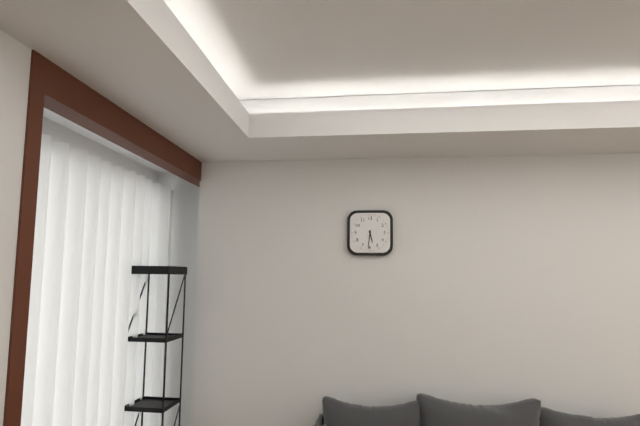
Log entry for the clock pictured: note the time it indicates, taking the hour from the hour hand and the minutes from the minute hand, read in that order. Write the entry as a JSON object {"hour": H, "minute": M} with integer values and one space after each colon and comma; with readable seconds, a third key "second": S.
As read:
{"hour": 5, "minute": 31}
